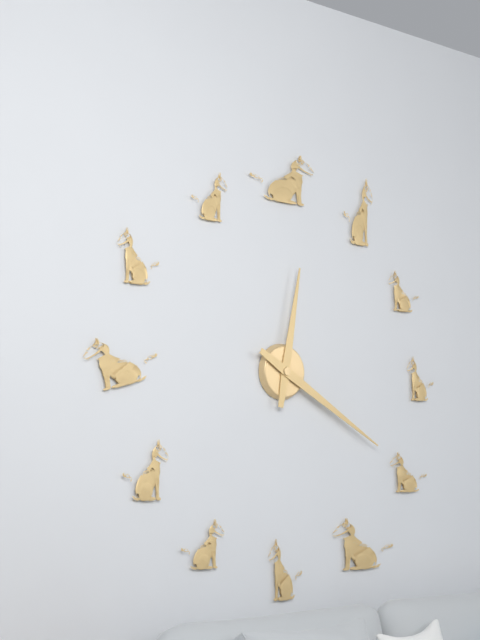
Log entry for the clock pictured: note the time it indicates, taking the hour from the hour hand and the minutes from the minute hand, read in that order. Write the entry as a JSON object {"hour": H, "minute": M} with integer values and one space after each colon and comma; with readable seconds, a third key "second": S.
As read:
{"hour": 12, "minute": 20}
